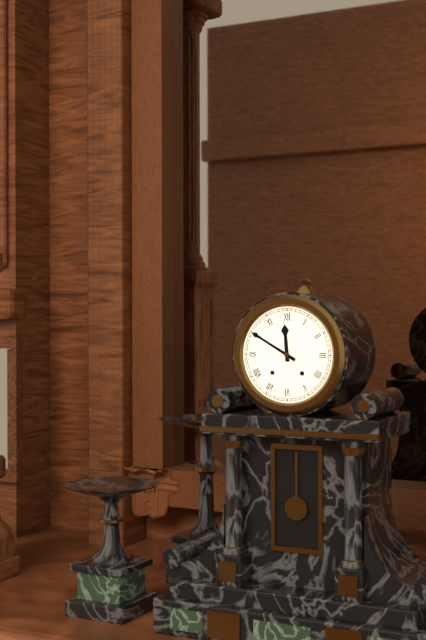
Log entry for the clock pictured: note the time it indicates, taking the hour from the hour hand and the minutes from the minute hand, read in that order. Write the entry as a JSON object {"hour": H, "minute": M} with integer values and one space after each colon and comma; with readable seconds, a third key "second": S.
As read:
{"hour": 11, "minute": 50}
